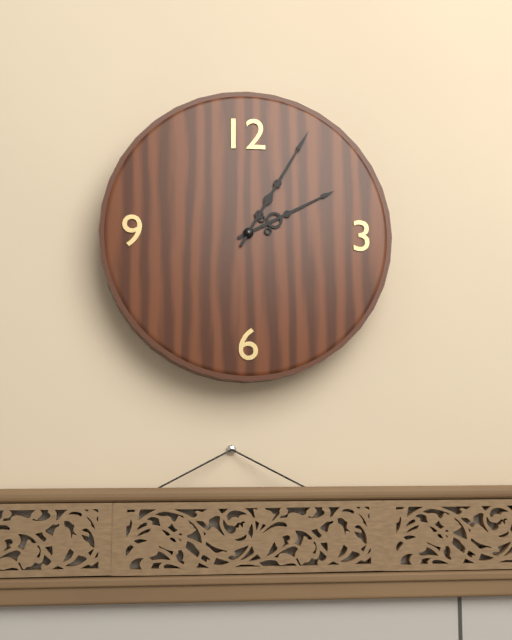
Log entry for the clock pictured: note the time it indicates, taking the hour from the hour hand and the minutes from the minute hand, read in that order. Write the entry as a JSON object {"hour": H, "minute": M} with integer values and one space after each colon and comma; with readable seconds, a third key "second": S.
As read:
{"hour": 2, "minute": 5}
